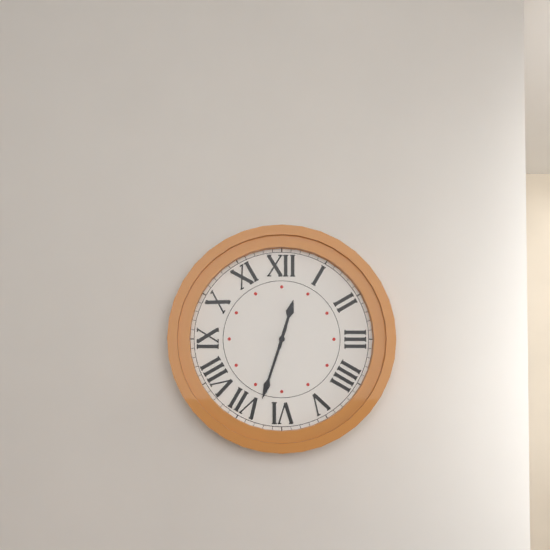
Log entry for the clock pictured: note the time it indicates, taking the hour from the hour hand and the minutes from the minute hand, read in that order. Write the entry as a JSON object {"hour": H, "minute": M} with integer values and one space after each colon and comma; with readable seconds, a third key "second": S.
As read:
{"hour": 12, "minute": 33}
